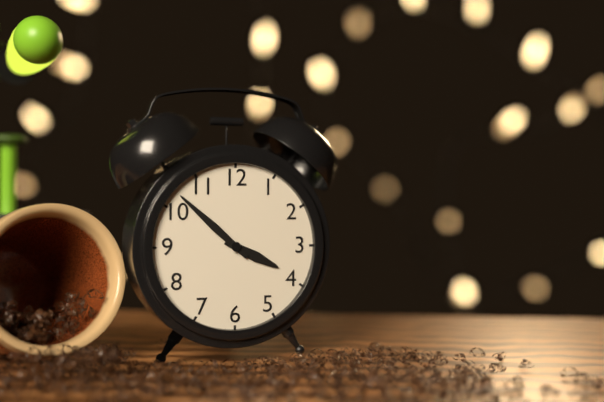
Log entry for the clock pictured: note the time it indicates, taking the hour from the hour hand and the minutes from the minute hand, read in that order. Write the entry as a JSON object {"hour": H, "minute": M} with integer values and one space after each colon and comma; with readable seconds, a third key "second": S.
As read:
{"hour": 3, "minute": 52}
